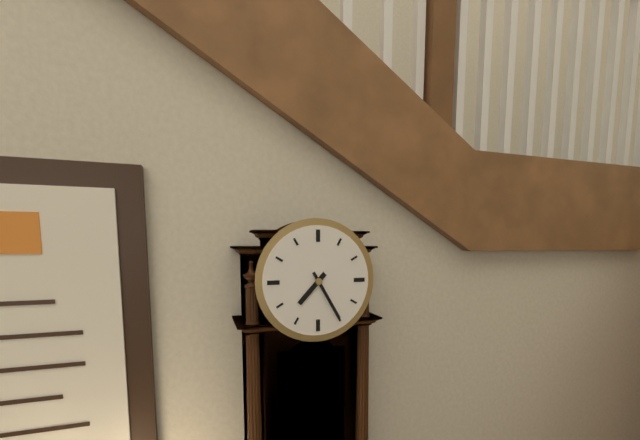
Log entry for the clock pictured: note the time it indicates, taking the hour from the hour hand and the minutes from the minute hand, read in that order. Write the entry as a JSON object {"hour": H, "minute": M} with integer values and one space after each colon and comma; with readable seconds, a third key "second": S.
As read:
{"hour": 7, "minute": 25}
